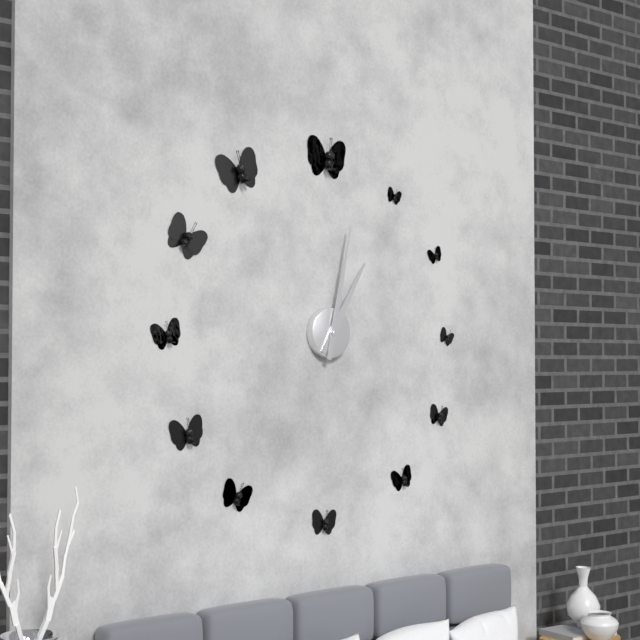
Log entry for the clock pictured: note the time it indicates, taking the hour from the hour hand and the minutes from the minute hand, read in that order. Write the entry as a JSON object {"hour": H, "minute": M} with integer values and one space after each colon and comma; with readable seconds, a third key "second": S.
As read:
{"hour": 1, "minute": 2}
